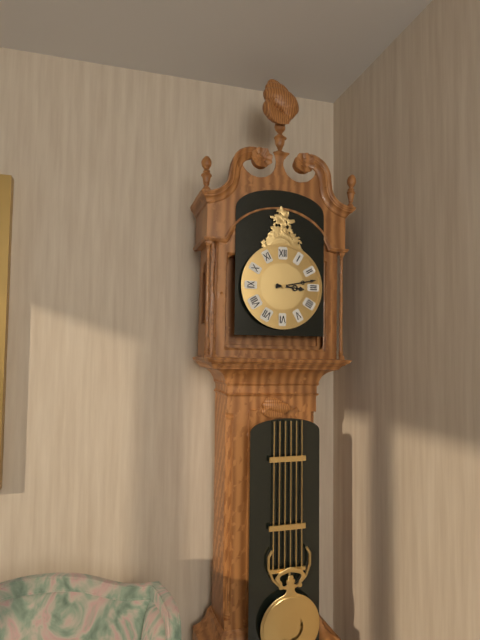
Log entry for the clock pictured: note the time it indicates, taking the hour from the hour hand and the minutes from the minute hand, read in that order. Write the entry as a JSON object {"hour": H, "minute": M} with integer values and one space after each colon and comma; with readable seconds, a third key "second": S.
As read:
{"hour": 3, "minute": 13}
